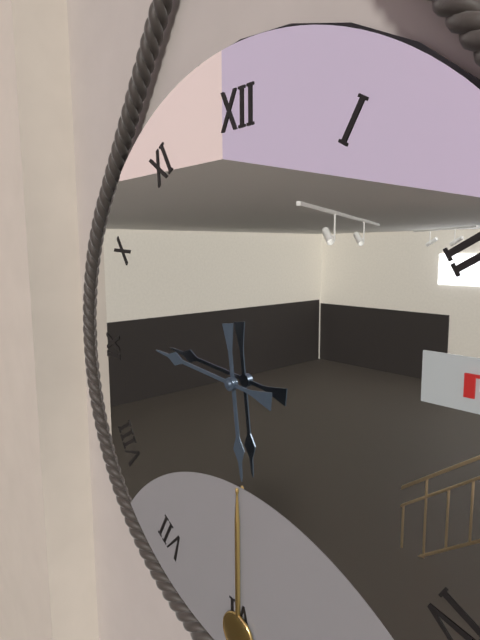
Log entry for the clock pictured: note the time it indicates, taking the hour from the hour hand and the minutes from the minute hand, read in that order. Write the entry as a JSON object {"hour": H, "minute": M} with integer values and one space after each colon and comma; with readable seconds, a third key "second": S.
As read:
{"hour": 5, "minute": 46}
